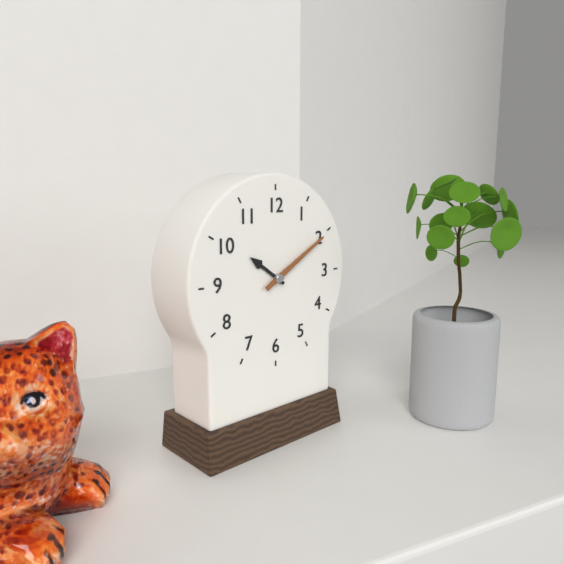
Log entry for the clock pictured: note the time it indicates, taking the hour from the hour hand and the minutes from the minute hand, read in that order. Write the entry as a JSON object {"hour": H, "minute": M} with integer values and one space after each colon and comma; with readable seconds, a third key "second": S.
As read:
{"hour": 10, "minute": 10}
